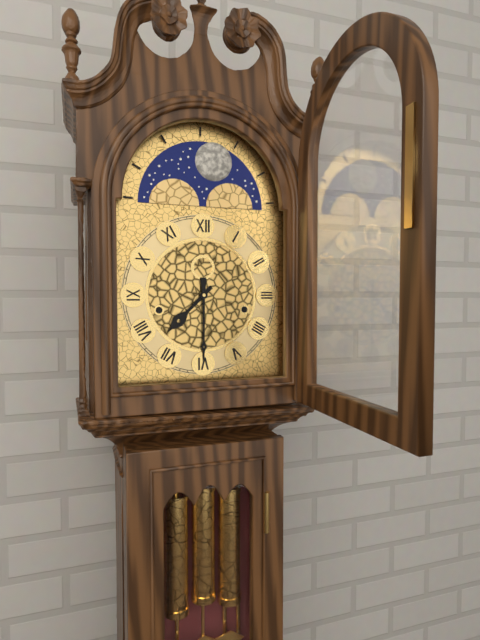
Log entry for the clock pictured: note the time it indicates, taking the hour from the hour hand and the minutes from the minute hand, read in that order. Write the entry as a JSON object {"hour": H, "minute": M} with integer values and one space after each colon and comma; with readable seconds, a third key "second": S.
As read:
{"hour": 7, "minute": 30}
